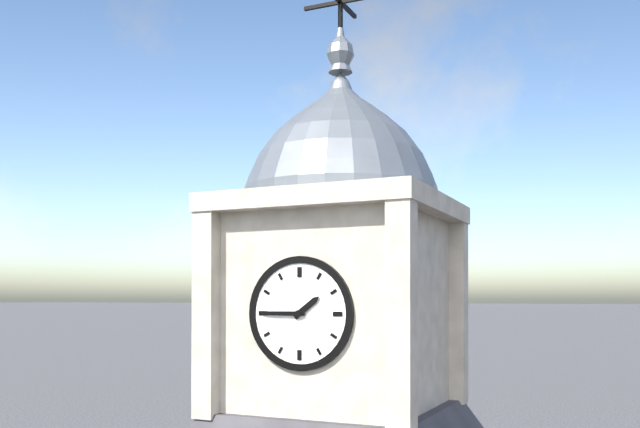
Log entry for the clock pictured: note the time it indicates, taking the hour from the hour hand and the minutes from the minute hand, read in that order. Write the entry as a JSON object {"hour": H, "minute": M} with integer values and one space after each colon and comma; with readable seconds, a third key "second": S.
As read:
{"hour": 1, "minute": 45}
